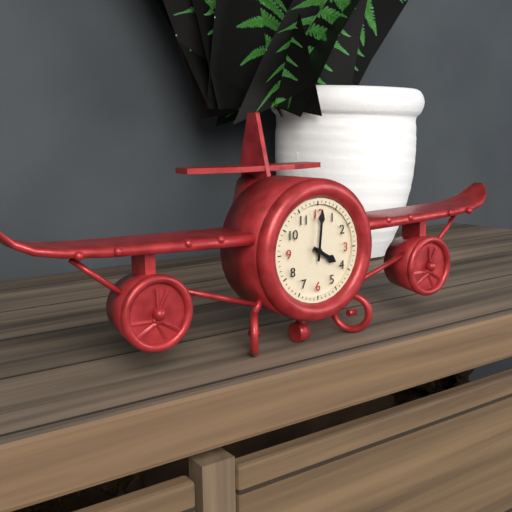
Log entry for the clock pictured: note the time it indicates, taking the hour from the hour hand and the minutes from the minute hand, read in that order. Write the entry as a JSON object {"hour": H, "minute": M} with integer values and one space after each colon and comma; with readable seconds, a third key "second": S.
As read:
{"hour": 4, "minute": 1}
